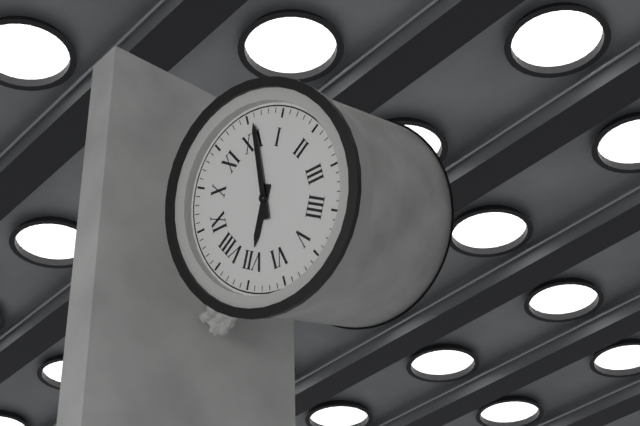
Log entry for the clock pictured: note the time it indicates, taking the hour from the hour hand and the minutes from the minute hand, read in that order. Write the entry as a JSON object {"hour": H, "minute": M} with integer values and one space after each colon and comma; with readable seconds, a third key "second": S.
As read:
{"hour": 7, "minute": 1}
